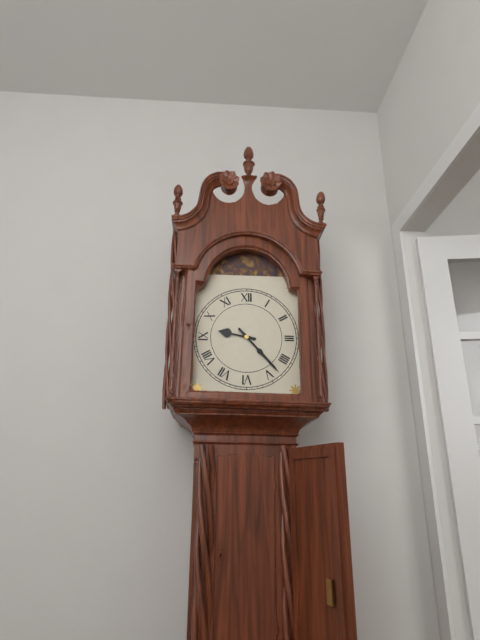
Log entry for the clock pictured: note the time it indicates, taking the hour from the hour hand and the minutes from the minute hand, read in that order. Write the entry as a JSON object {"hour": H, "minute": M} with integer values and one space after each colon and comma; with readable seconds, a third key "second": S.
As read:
{"hour": 9, "minute": 23}
